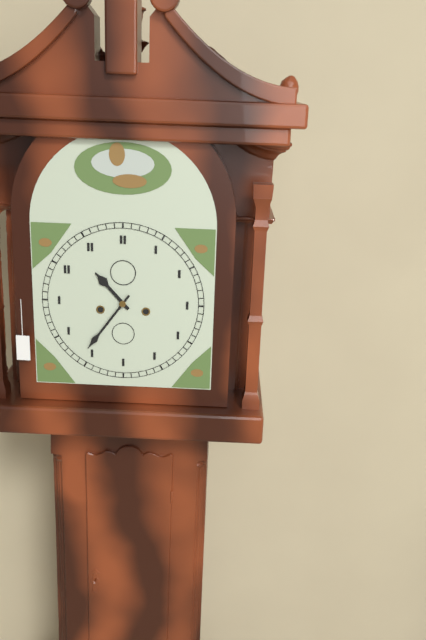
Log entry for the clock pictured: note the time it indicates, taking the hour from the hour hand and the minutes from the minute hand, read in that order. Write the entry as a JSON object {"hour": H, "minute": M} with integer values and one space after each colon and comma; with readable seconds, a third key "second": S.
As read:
{"hour": 10, "minute": 36}
